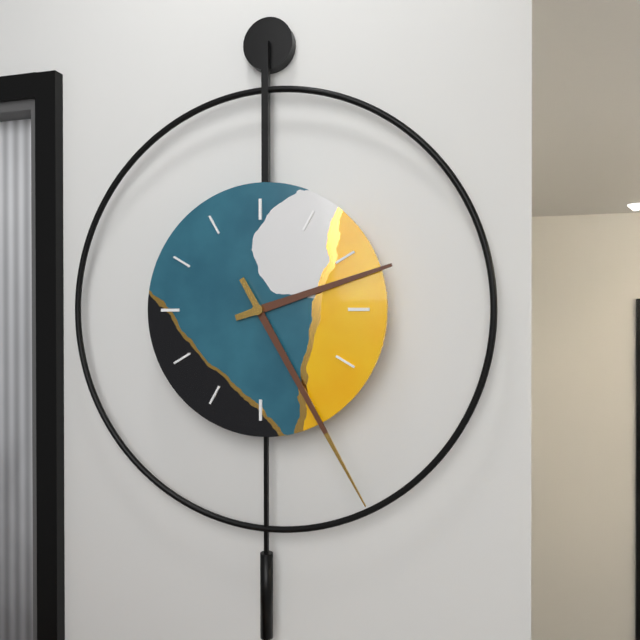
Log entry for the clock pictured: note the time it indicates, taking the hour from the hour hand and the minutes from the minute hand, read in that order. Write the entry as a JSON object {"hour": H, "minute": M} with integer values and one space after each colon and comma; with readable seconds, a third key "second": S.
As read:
{"hour": 2, "minute": 25}
